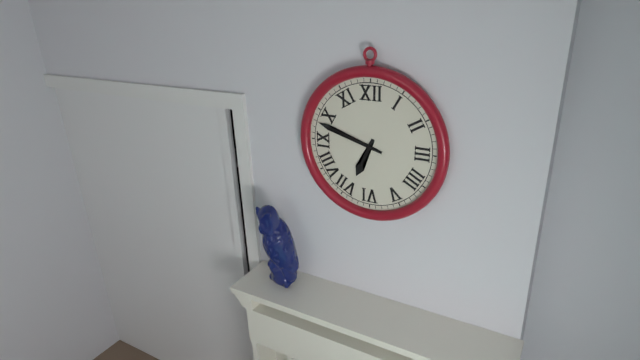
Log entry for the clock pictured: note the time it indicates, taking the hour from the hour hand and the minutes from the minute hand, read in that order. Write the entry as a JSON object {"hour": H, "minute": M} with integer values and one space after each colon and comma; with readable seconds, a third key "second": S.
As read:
{"hour": 6, "minute": 48}
